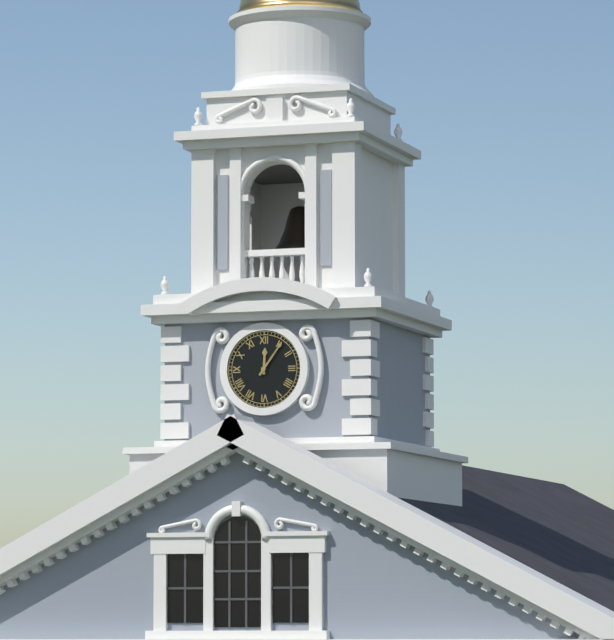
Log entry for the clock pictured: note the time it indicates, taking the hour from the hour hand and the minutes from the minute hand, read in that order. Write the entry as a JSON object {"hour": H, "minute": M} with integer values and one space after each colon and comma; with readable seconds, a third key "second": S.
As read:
{"hour": 12, "minute": 6}
